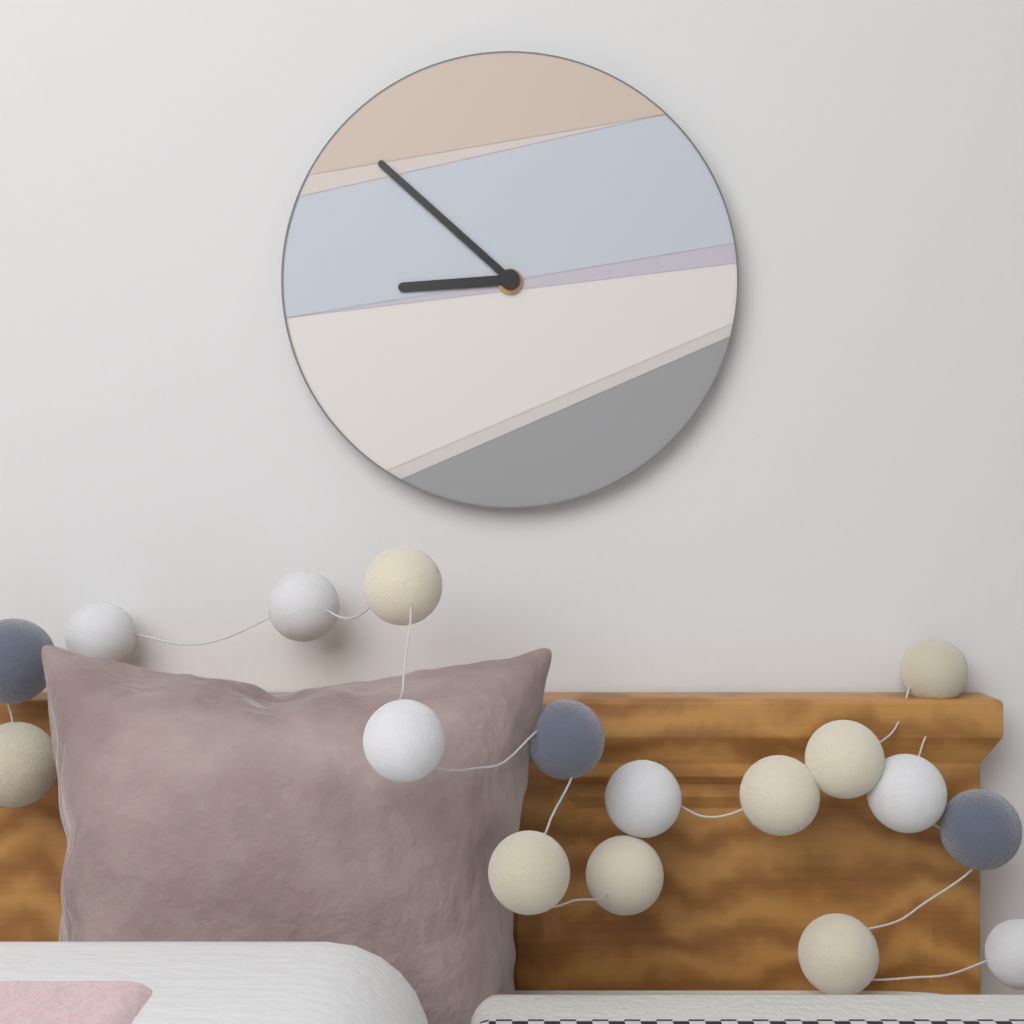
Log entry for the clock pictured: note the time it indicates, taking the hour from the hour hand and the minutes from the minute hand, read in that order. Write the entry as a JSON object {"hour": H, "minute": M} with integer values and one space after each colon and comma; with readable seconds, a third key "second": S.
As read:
{"hour": 8, "minute": 52}
